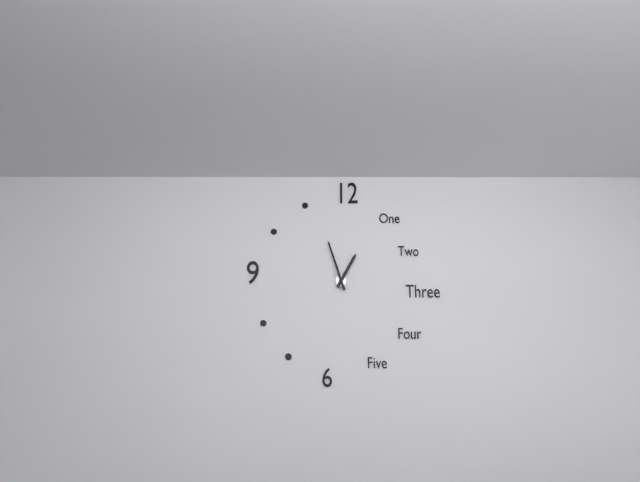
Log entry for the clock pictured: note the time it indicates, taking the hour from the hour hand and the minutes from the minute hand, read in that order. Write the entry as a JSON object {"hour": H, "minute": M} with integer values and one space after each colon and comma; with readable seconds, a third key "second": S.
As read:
{"hour": 12, "minute": 57}
